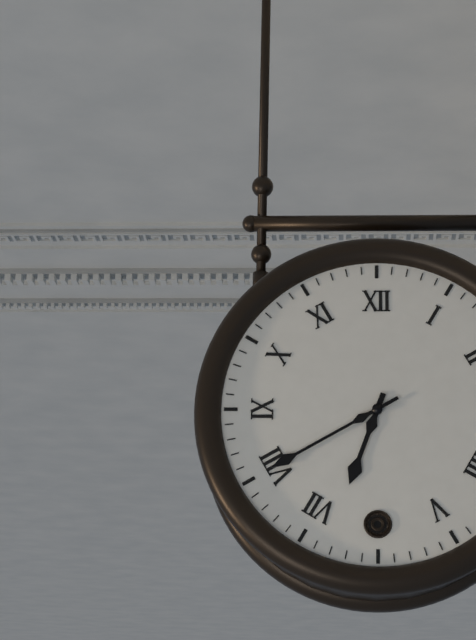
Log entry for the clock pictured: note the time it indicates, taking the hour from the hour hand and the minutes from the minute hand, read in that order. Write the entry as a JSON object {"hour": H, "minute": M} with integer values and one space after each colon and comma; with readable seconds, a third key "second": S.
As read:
{"hour": 6, "minute": 40}
